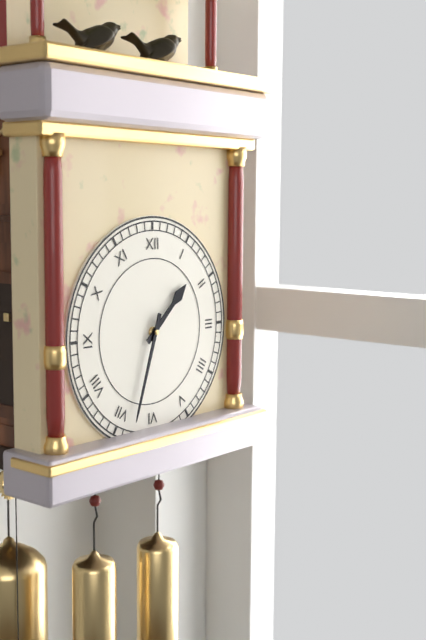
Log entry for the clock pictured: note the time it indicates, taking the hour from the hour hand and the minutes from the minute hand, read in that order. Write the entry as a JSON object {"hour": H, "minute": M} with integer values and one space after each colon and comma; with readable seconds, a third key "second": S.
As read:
{"hour": 1, "minute": 33}
